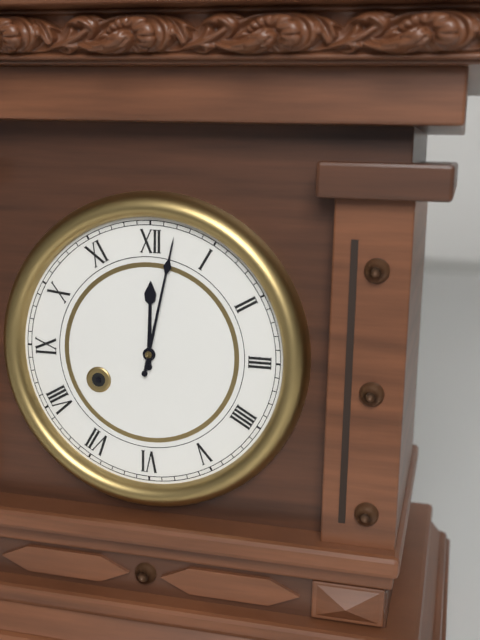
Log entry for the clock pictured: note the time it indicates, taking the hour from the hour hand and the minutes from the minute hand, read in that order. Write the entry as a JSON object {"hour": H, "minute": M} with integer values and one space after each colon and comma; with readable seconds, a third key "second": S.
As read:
{"hour": 12, "minute": 2}
